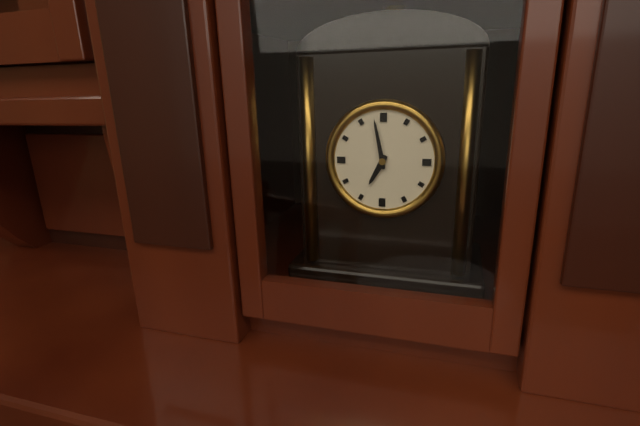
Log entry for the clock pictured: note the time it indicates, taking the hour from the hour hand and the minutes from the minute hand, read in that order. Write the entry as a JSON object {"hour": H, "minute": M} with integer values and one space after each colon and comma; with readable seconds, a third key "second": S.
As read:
{"hour": 6, "minute": 58}
